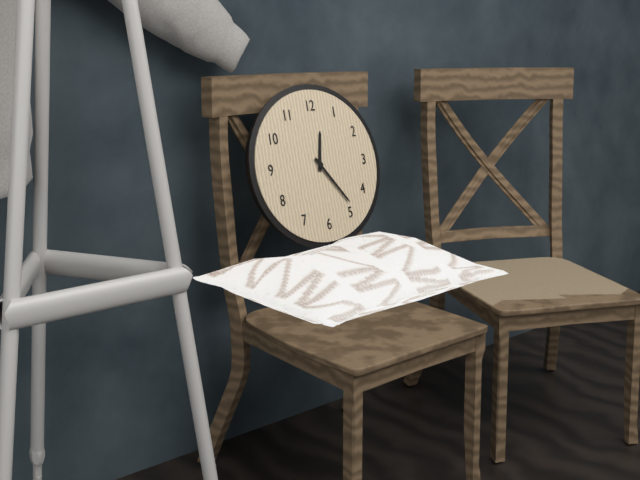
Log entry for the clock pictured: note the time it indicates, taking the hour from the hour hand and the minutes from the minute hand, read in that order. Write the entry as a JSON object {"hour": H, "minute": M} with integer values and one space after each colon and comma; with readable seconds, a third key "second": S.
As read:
{"hour": 12, "minute": 24}
